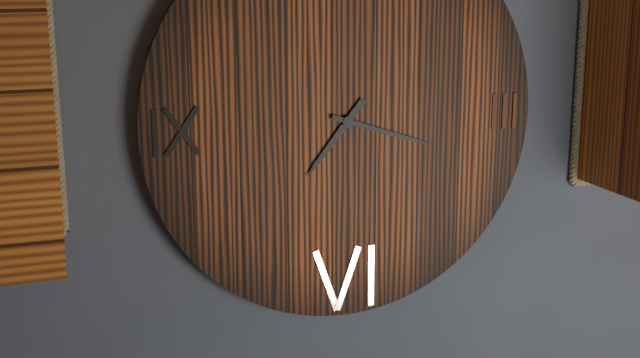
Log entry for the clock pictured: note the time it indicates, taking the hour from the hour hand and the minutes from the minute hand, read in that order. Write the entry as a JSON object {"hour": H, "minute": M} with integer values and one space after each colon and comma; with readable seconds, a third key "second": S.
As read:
{"hour": 7, "minute": 18}
